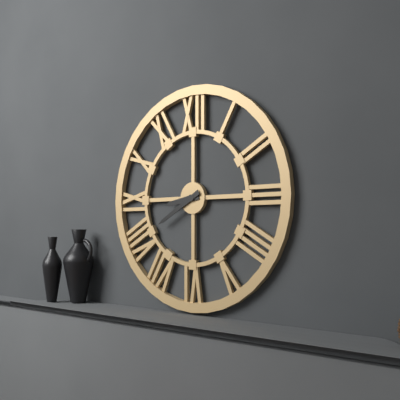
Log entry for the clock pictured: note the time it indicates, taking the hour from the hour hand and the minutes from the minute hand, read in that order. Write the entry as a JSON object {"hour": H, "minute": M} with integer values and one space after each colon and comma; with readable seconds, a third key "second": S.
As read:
{"hour": 8, "minute": 40}
